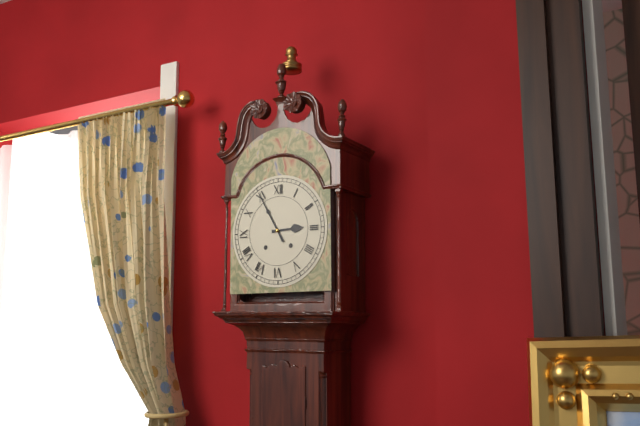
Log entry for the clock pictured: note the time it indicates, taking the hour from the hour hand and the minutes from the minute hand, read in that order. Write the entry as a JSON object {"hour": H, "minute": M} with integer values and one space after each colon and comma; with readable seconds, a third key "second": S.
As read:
{"hour": 2, "minute": 55}
